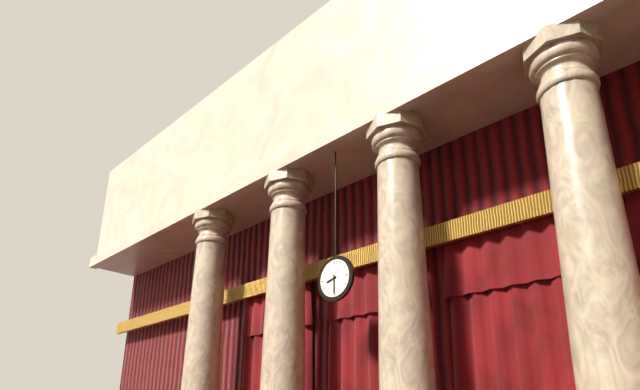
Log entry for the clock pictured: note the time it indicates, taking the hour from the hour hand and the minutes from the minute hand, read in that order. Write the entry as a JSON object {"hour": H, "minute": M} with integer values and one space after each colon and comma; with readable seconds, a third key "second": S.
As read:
{"hour": 8, "minute": 30}
